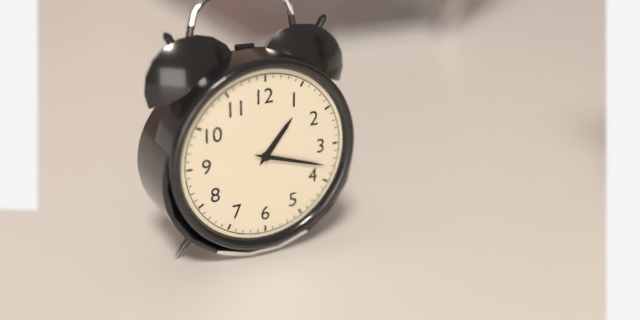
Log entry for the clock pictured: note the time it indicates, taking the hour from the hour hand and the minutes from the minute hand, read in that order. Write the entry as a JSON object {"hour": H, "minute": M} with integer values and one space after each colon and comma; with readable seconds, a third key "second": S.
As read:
{"hour": 1, "minute": 18}
